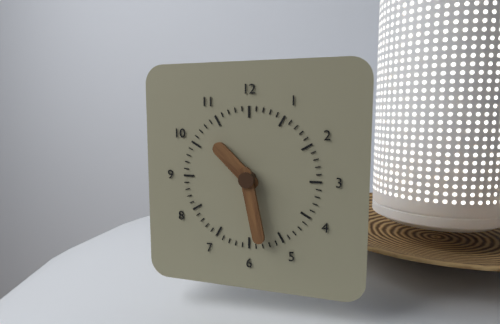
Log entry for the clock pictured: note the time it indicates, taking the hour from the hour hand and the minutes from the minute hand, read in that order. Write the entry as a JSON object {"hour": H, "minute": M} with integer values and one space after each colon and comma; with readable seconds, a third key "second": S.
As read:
{"hour": 10, "minute": 28}
